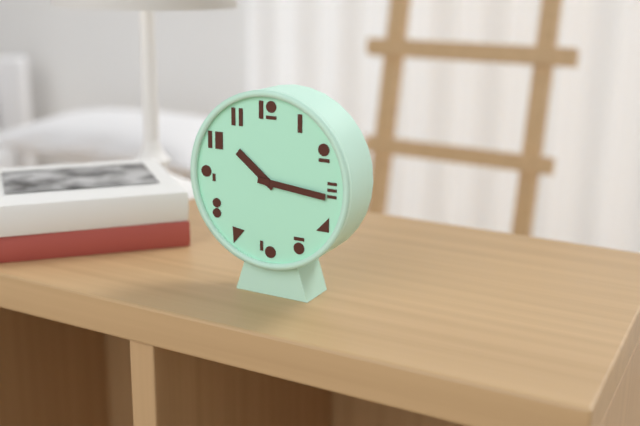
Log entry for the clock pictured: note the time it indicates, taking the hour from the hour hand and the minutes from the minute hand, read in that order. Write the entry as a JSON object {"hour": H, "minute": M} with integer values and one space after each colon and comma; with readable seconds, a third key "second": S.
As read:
{"hour": 10, "minute": 16}
